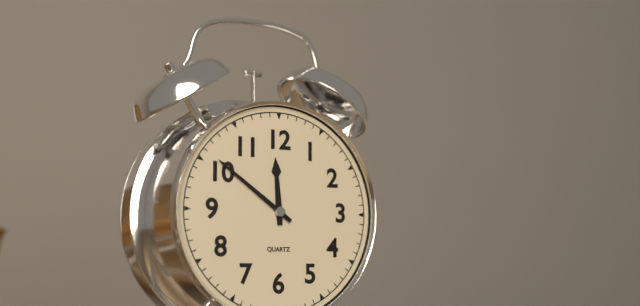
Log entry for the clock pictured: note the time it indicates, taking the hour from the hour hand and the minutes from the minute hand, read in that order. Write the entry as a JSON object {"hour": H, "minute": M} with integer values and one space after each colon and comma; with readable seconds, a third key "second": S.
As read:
{"hour": 11, "minute": 51}
